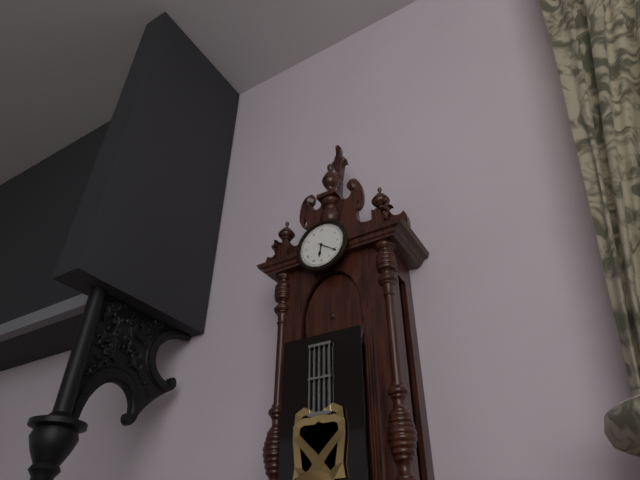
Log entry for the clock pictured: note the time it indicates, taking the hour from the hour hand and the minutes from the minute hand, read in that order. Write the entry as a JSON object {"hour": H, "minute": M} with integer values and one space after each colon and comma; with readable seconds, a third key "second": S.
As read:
{"hour": 6, "minute": 21}
